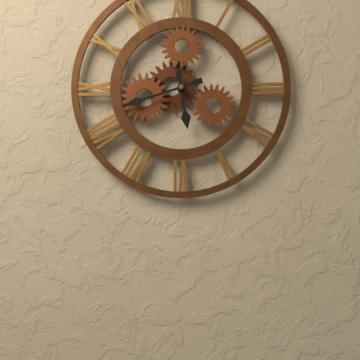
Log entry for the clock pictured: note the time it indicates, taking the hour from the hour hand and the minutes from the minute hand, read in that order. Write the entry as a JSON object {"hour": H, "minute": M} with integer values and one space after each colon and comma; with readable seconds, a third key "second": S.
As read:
{"hour": 5, "minute": 42}
